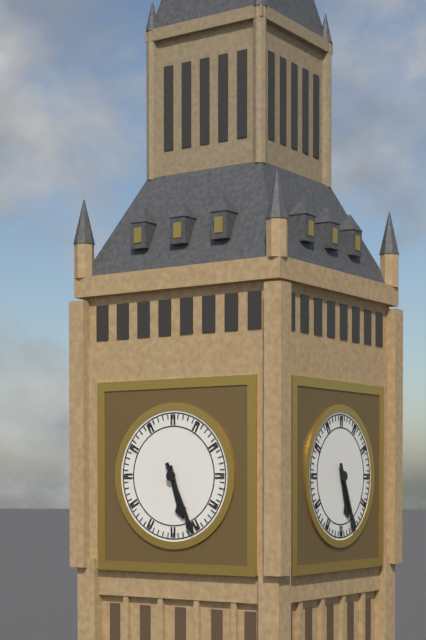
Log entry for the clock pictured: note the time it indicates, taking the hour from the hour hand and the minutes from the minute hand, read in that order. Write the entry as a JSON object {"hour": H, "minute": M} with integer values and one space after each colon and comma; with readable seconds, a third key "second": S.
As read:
{"hour": 5, "minute": 26}
